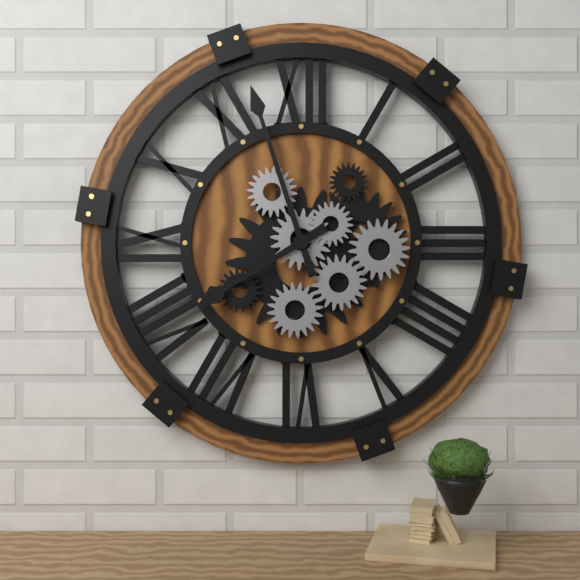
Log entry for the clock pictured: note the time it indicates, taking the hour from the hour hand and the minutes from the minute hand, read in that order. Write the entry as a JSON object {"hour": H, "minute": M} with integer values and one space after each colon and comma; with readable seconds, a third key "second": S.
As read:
{"hour": 7, "minute": 57}
